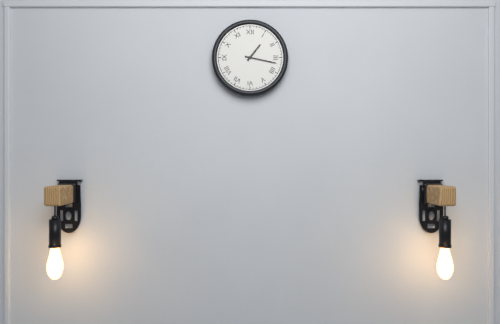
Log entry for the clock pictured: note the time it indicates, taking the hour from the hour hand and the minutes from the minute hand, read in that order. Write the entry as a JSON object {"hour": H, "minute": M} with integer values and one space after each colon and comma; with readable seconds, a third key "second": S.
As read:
{"hour": 1, "minute": 17}
